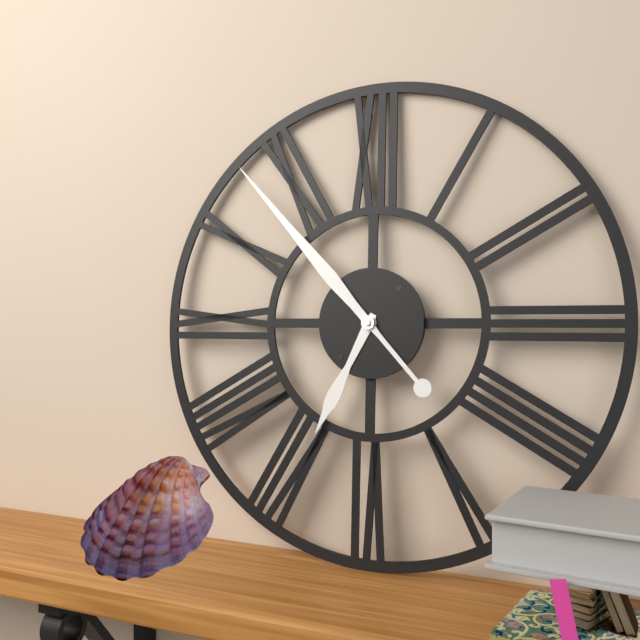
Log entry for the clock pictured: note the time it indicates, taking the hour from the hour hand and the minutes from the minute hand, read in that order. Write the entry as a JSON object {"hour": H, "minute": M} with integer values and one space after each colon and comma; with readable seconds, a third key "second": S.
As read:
{"hour": 6, "minute": 53}
